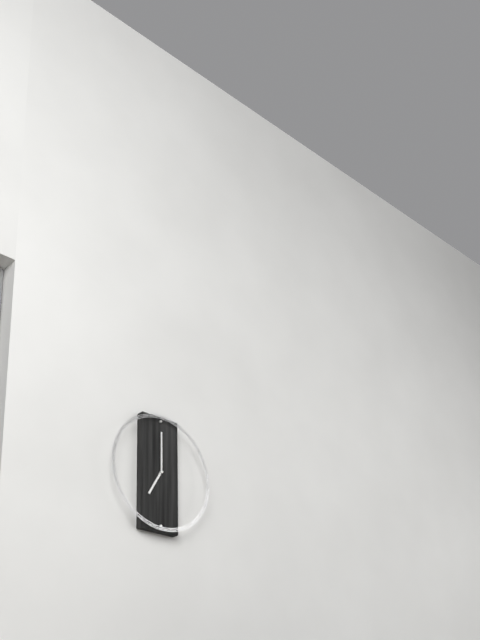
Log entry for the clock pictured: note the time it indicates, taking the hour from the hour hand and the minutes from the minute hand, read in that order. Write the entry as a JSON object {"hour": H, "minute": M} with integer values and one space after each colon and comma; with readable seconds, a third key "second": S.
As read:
{"hour": 7, "minute": 0}
